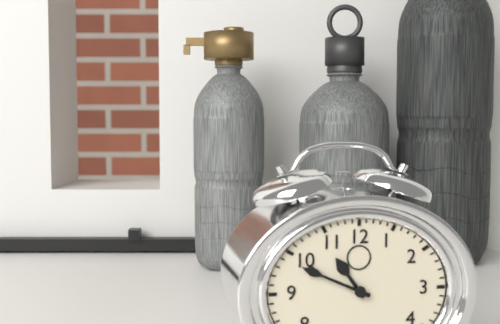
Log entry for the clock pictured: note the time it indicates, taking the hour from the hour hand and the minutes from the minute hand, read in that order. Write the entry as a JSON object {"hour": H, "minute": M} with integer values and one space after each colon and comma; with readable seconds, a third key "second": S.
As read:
{"hour": 10, "minute": 49}
